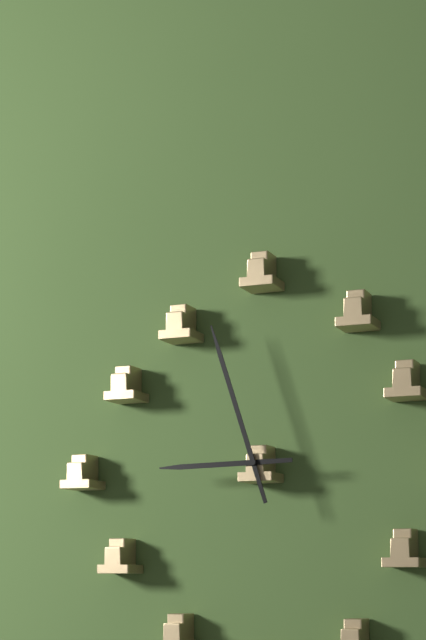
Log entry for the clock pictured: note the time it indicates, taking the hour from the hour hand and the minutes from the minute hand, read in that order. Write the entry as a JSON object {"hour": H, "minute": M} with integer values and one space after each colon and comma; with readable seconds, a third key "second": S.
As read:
{"hour": 8, "minute": 57}
